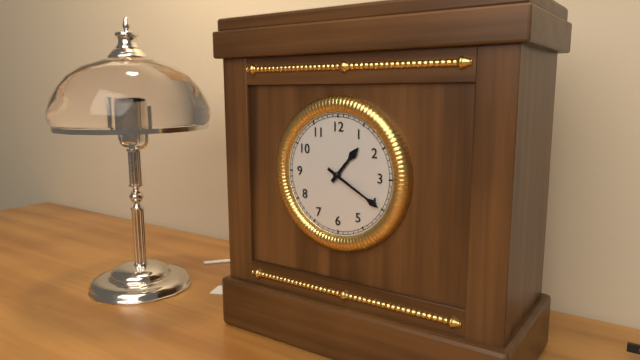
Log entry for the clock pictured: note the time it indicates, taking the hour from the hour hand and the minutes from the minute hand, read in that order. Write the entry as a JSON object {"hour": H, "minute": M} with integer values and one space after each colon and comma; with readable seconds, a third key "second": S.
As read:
{"hour": 1, "minute": 20}
